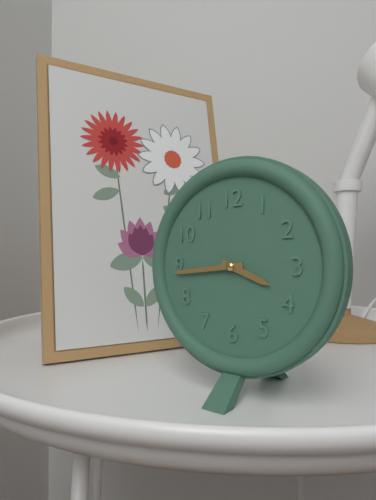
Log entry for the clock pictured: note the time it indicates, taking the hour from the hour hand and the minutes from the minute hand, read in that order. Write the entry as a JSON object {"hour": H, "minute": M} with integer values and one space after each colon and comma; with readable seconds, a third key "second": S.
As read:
{"hour": 3, "minute": 44}
